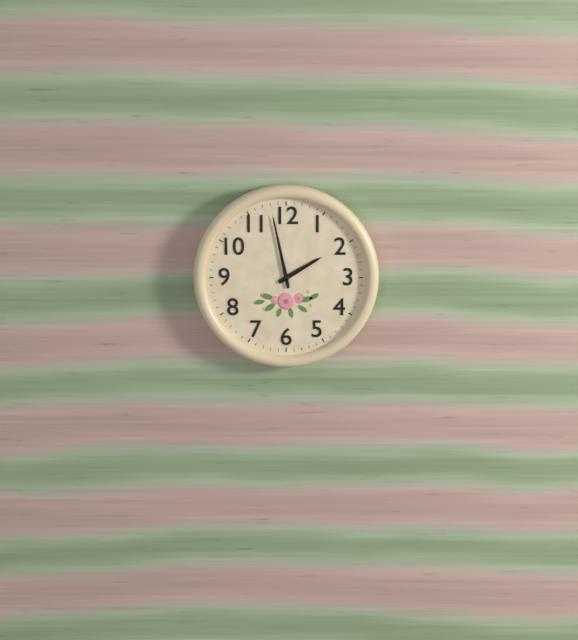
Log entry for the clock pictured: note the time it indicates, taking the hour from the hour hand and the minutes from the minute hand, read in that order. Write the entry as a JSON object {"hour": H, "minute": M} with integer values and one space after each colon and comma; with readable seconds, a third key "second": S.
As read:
{"hour": 1, "minute": 58}
